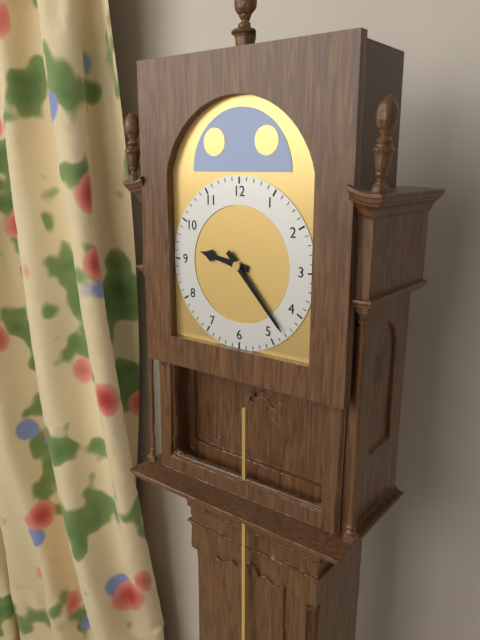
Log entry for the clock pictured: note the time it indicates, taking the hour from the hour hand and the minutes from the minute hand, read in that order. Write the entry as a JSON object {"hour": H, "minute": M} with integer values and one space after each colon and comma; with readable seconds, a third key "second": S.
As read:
{"hour": 9, "minute": 23}
